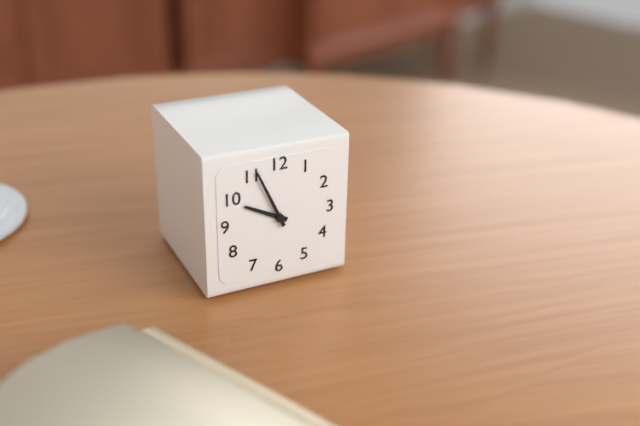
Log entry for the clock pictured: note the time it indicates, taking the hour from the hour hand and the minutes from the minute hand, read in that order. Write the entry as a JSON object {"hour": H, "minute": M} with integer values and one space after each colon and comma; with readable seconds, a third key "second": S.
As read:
{"hour": 9, "minute": 56}
